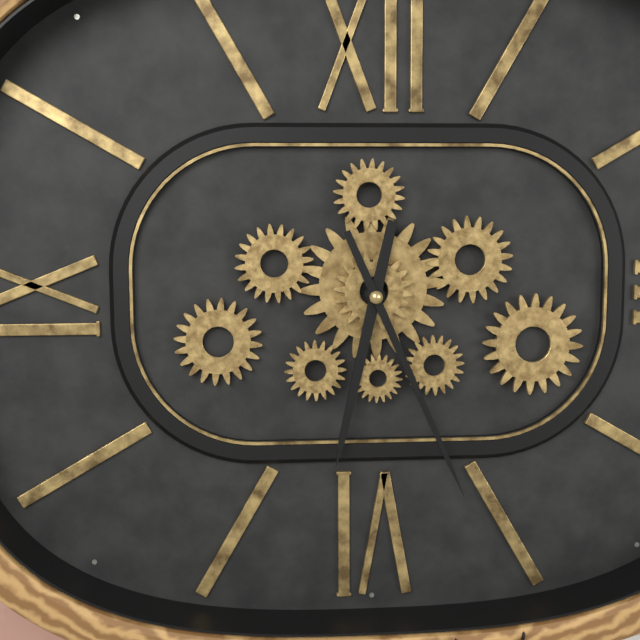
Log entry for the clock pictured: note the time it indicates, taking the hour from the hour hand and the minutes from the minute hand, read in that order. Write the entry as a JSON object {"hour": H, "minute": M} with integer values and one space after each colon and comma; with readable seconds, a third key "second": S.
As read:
{"hour": 6, "minute": 26}
